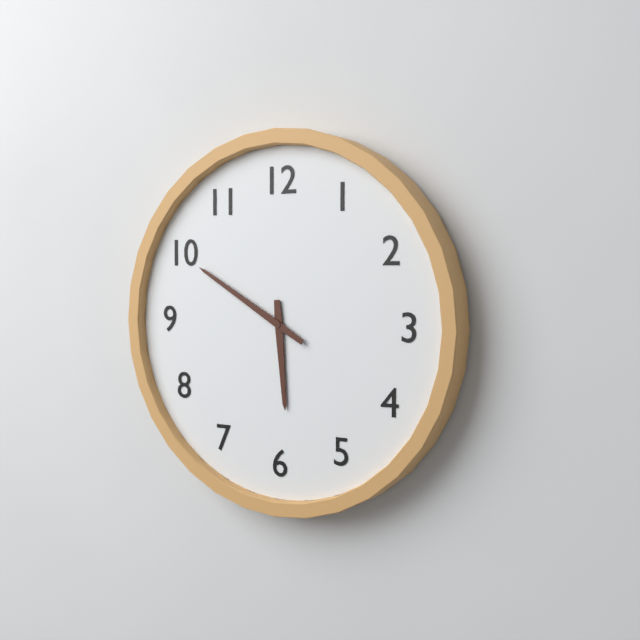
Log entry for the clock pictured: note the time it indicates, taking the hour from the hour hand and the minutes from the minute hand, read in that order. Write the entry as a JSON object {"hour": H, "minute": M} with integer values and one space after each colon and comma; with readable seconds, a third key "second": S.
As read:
{"hour": 5, "minute": 50}
